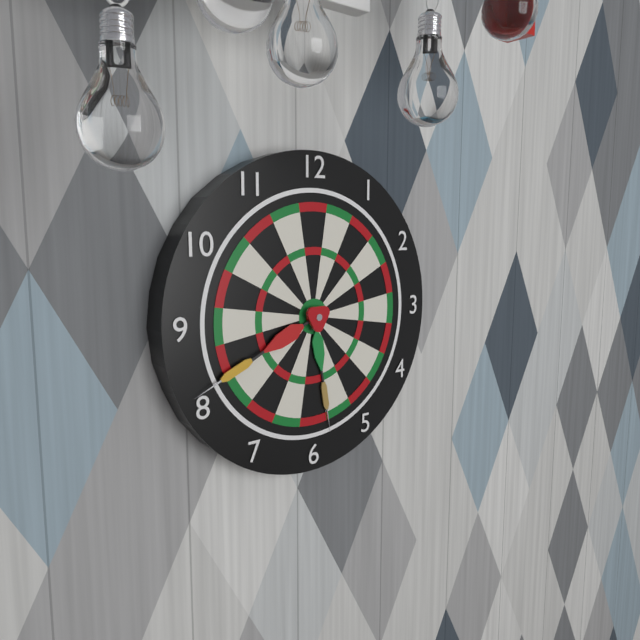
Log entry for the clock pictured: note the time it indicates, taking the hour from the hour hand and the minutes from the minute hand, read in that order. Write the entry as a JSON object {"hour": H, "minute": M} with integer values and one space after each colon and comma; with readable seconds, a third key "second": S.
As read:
{"hour": 5, "minute": 41}
